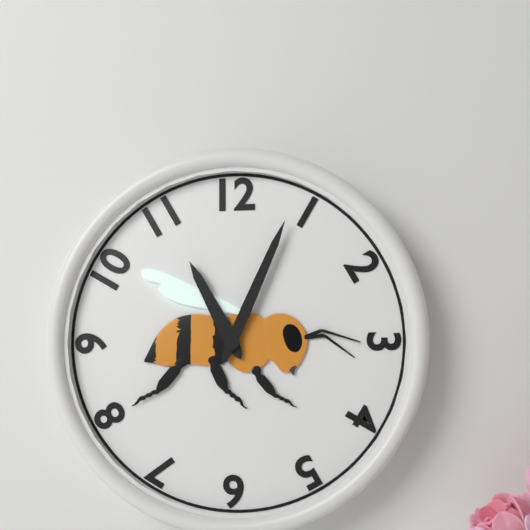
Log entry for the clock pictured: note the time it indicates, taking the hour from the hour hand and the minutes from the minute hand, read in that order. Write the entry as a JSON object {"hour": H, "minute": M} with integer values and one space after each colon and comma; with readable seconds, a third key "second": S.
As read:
{"hour": 11, "minute": 4}
